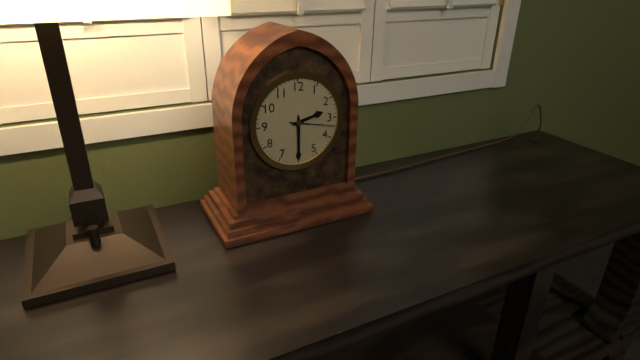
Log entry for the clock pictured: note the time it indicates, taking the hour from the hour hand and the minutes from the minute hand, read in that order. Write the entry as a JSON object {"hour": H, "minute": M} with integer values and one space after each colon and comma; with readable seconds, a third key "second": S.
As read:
{"hour": 2, "minute": 30}
